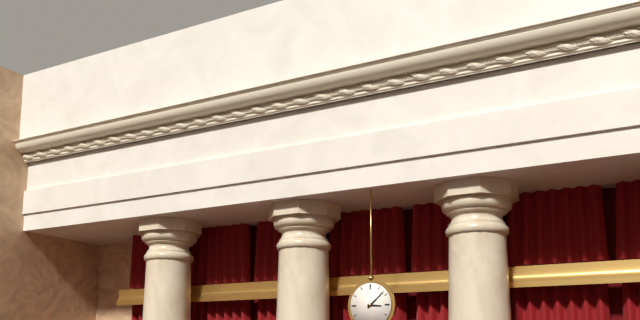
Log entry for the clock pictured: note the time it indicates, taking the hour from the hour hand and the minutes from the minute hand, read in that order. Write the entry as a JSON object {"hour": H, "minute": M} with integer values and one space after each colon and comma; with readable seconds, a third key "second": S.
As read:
{"hour": 3, "minute": 8}
